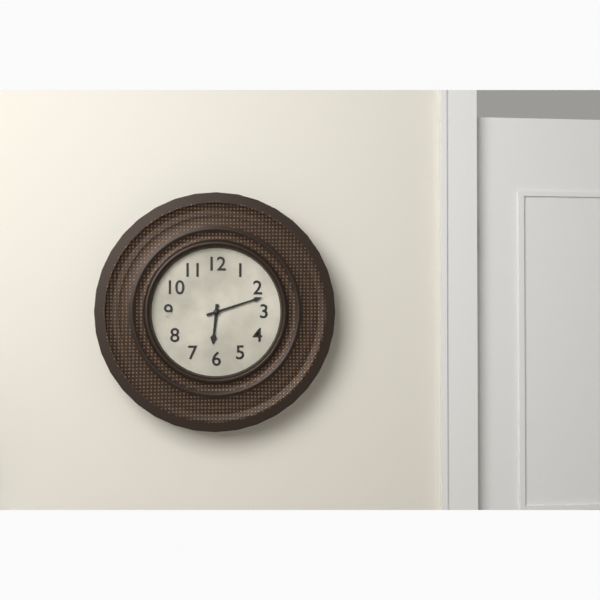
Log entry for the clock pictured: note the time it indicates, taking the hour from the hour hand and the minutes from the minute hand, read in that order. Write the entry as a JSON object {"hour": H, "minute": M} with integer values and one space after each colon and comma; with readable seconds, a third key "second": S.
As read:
{"hour": 6, "minute": 12}
